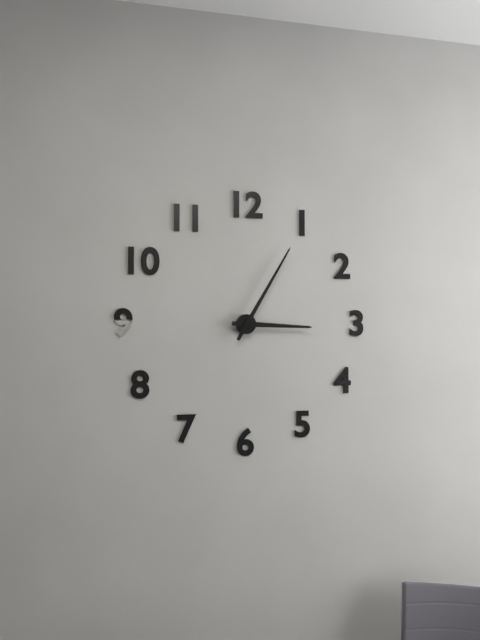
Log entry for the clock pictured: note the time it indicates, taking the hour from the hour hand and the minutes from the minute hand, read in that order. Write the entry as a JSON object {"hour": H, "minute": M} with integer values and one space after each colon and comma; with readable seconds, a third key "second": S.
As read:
{"hour": 3, "minute": 5}
